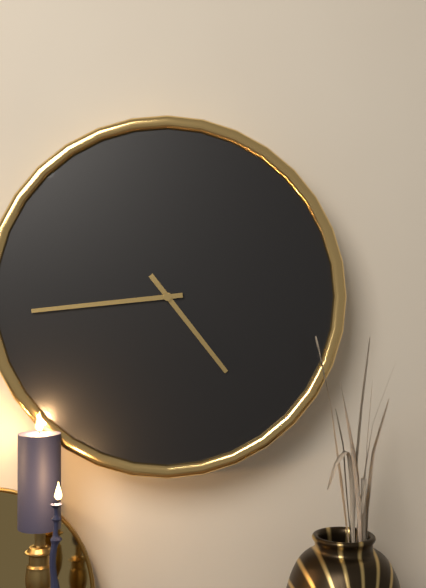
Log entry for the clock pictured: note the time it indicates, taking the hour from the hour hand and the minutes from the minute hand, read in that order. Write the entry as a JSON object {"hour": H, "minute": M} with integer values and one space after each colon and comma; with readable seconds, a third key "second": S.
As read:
{"hour": 4, "minute": 44}
